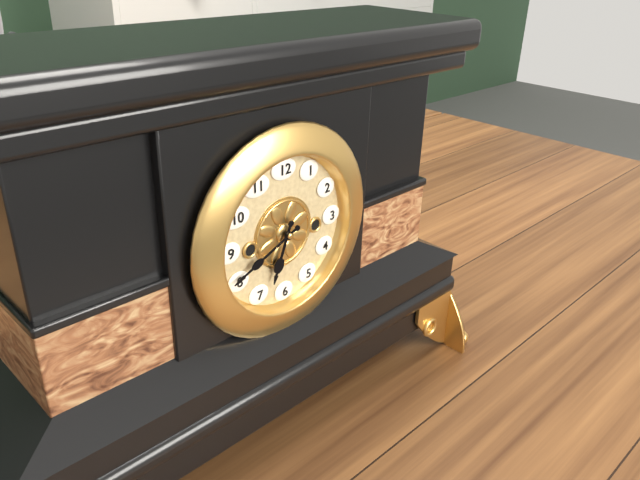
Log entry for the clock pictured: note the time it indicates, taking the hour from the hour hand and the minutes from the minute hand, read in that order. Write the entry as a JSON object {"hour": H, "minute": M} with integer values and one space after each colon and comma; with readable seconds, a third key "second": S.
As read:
{"hour": 6, "minute": 41}
